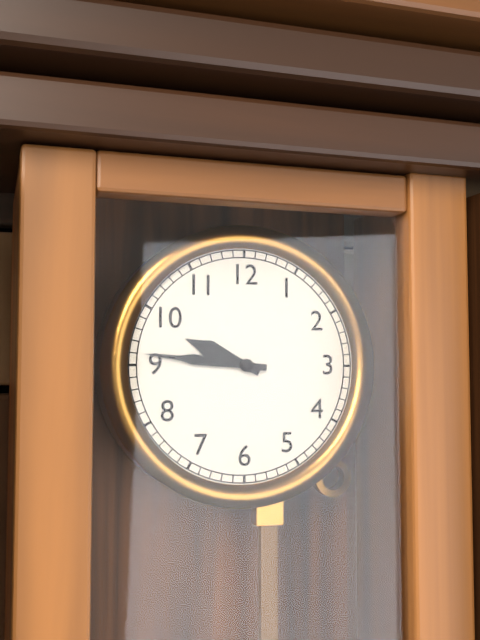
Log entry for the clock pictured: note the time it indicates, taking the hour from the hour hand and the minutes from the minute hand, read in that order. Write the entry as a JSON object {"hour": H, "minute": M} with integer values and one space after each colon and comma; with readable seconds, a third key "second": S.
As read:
{"hour": 9, "minute": 46}
